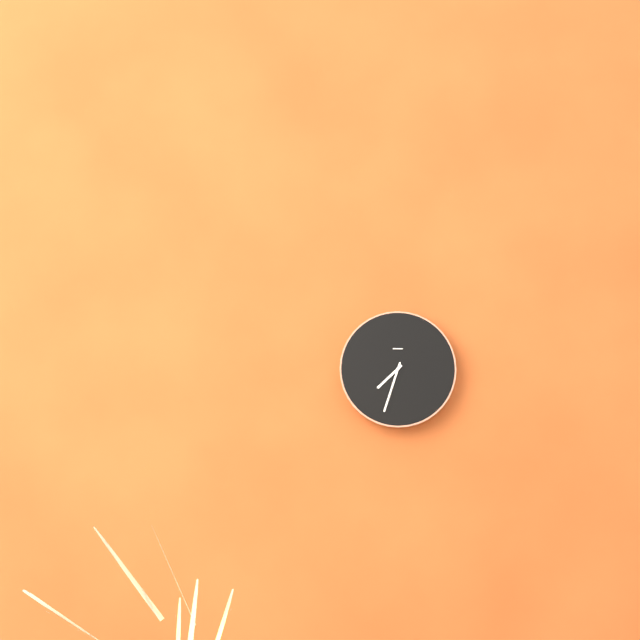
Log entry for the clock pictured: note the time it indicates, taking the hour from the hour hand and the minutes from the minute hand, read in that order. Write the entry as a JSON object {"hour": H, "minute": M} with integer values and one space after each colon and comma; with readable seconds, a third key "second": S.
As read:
{"hour": 7, "minute": 33}
